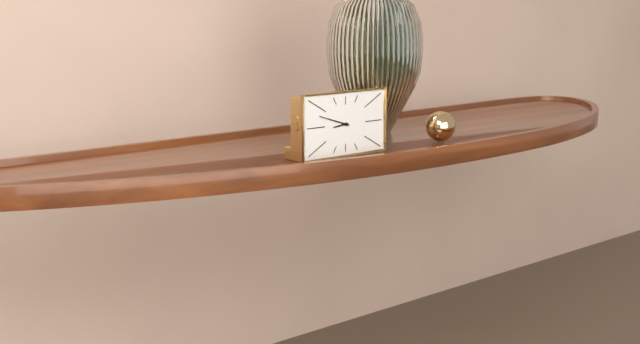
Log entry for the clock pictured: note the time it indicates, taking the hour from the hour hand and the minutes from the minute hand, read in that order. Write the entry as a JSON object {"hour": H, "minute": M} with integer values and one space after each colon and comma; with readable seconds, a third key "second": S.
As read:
{"hour": 8, "minute": 48}
